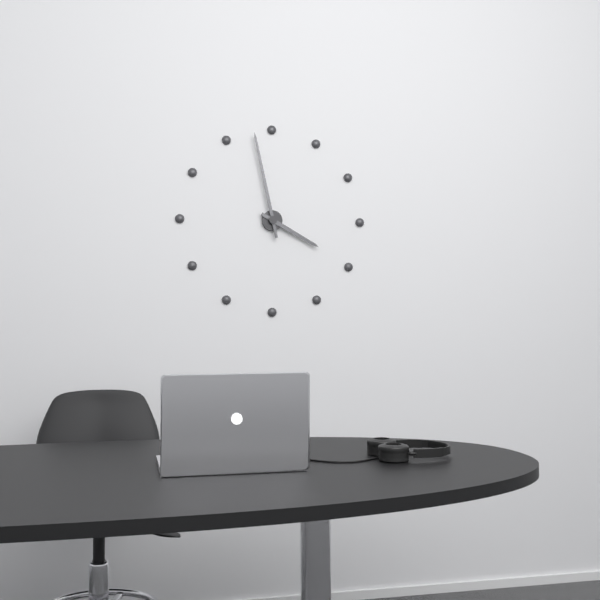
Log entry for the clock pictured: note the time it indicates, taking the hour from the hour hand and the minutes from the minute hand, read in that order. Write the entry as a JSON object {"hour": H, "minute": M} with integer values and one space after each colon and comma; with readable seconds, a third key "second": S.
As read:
{"hour": 3, "minute": 58}
